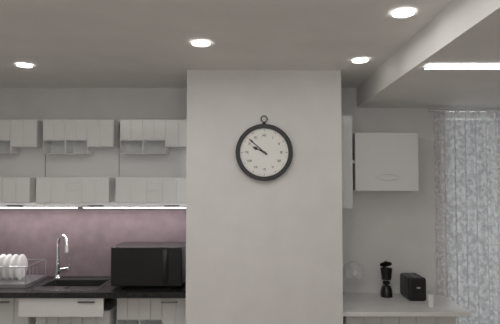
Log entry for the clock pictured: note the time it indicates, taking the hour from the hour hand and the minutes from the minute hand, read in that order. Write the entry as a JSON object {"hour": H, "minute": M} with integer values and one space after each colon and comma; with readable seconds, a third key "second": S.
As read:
{"hour": 9, "minute": 52}
